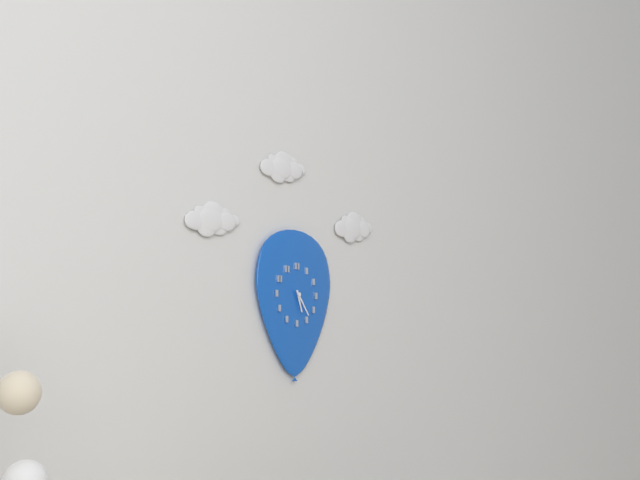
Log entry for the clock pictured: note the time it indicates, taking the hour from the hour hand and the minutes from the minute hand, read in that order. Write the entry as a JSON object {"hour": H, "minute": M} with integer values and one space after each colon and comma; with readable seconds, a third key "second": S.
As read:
{"hour": 5, "minute": 24}
